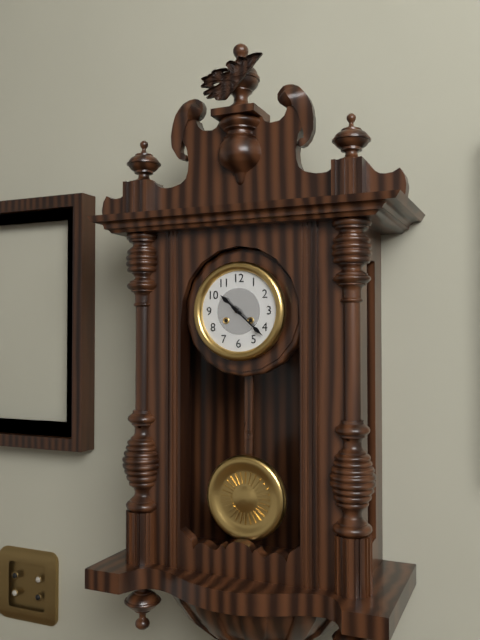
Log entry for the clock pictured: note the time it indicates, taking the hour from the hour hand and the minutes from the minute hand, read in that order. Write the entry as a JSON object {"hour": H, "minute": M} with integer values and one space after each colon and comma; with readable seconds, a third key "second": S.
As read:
{"hour": 10, "minute": 22}
